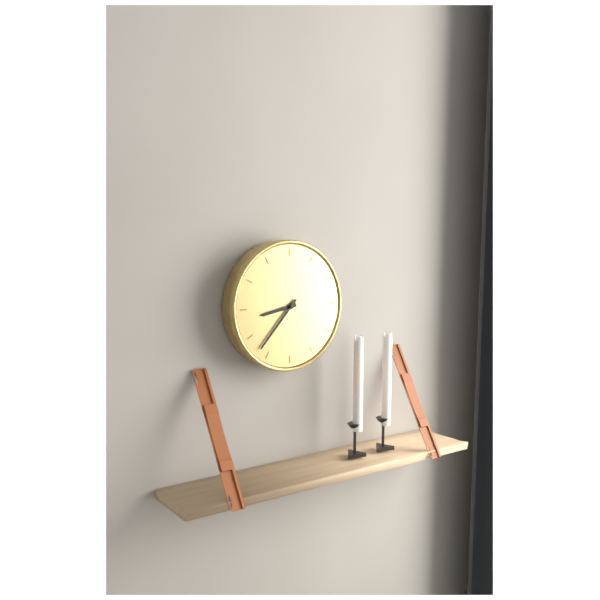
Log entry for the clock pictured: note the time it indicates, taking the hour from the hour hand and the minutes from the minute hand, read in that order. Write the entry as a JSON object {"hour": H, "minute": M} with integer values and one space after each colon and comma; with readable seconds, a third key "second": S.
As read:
{"hour": 8, "minute": 37}
